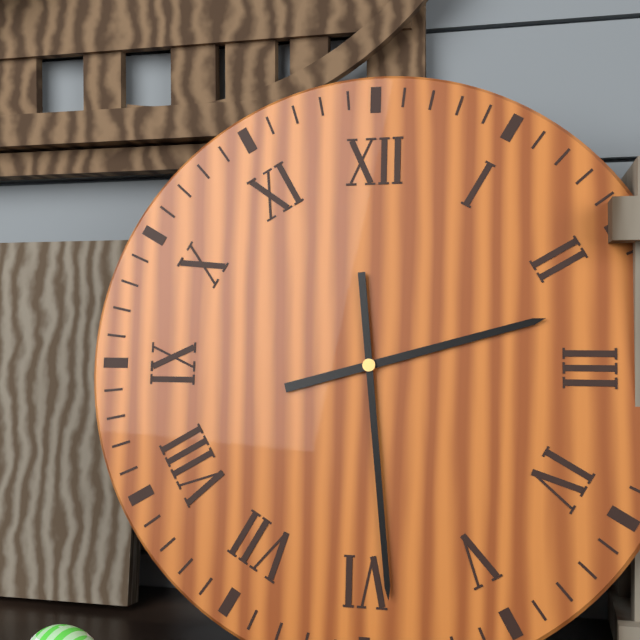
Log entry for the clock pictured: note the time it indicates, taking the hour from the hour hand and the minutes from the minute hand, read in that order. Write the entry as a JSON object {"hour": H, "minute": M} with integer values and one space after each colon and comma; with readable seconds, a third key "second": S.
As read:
{"hour": 2, "minute": 29}
